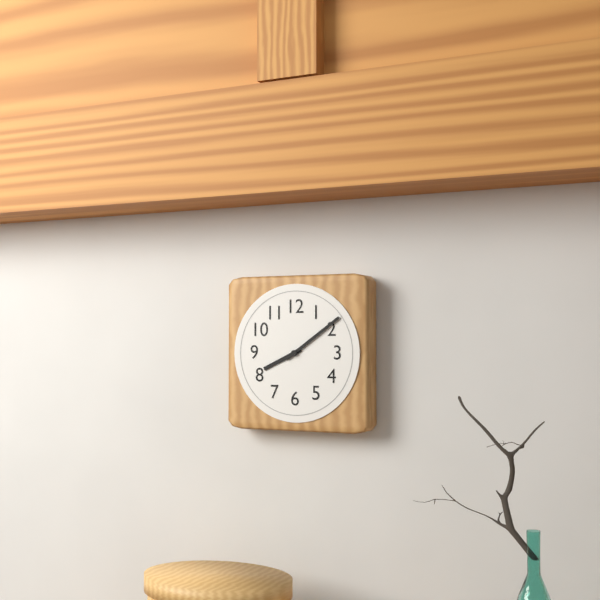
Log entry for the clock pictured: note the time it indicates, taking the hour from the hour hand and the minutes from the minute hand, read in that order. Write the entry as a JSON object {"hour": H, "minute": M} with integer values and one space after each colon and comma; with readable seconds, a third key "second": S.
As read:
{"hour": 8, "minute": 9}
